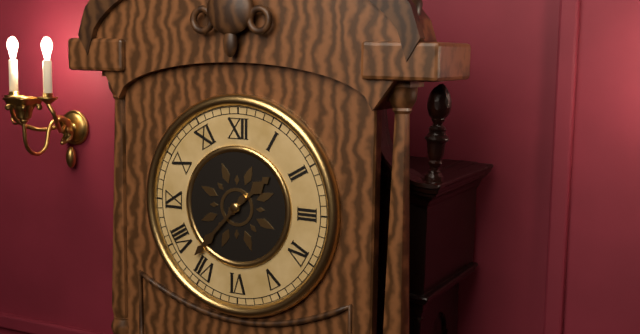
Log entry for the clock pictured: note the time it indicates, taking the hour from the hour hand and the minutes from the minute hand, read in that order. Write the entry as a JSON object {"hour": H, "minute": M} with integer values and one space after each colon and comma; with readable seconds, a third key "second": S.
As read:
{"hour": 1, "minute": 37}
